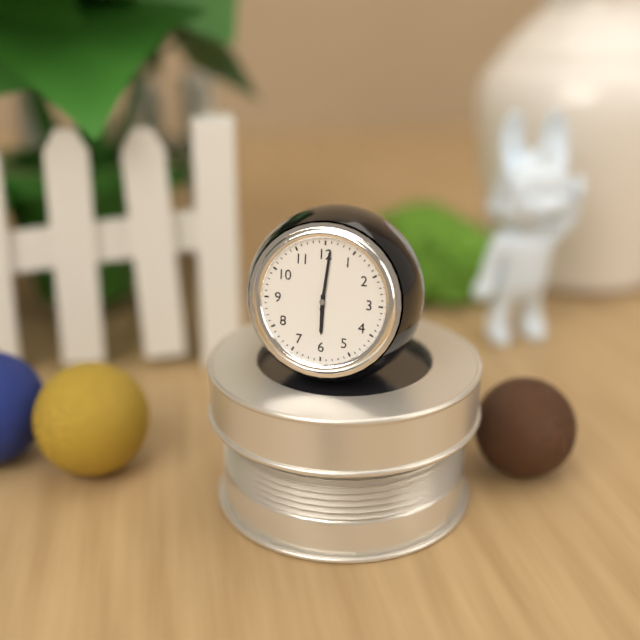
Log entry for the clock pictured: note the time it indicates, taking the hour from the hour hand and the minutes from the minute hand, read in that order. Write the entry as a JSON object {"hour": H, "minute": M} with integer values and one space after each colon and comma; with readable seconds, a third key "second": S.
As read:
{"hour": 6, "minute": 1}
